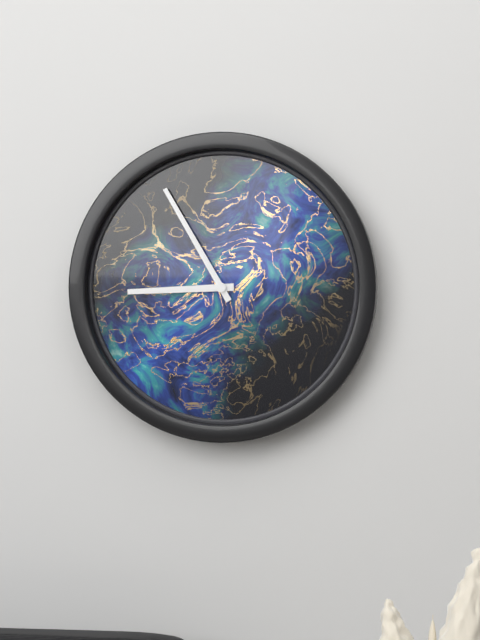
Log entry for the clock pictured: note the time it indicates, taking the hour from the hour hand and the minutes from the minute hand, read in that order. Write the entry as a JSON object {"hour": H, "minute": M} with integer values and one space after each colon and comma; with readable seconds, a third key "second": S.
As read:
{"hour": 8, "minute": 55}
